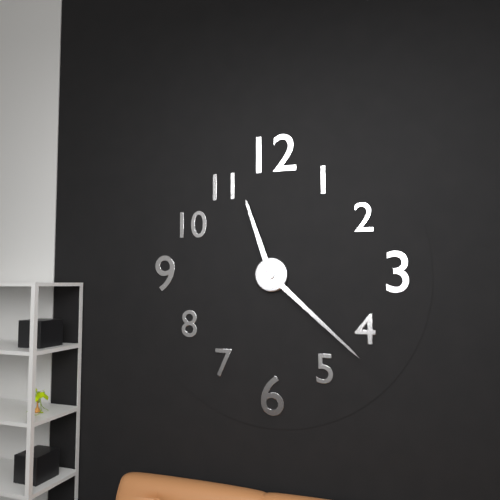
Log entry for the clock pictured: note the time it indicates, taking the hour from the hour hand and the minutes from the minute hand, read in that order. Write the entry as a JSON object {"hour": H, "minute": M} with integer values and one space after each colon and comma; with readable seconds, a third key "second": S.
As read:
{"hour": 11, "minute": 22}
